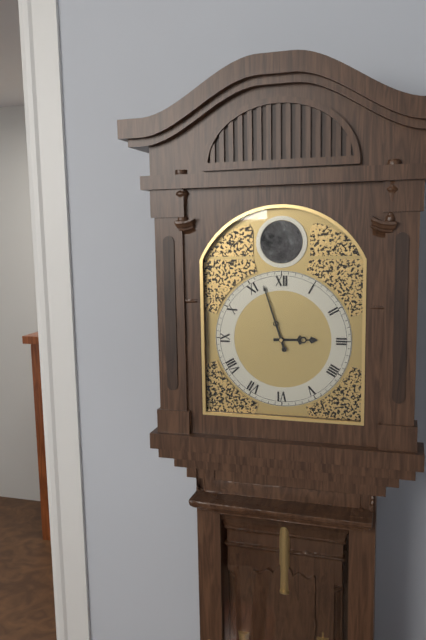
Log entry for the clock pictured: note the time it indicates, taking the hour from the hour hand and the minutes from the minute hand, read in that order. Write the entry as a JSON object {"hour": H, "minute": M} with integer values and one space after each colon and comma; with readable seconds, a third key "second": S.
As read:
{"hour": 2, "minute": 57}
